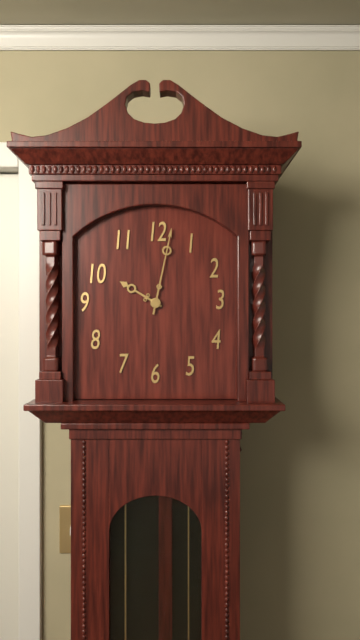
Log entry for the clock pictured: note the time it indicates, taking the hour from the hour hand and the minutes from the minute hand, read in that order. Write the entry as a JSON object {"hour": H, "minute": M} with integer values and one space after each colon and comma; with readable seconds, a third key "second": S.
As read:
{"hour": 10, "minute": 2}
